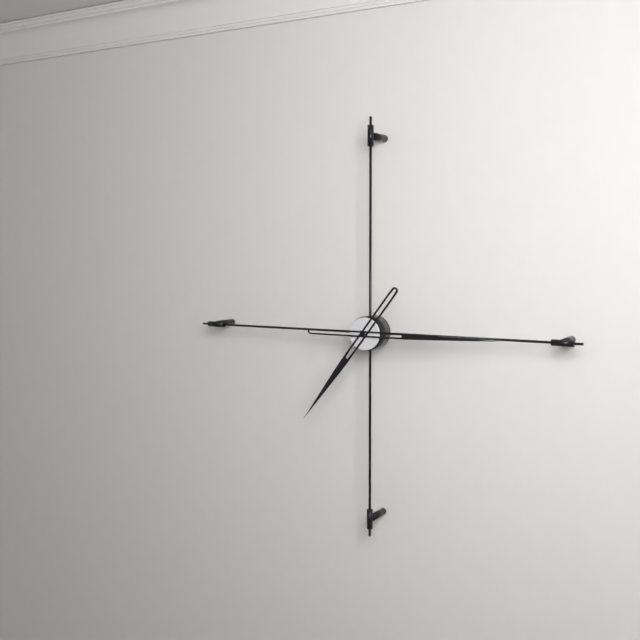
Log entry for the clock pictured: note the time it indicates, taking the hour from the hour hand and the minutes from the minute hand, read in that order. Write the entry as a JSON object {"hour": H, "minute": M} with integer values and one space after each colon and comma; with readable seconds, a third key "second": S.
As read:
{"hour": 7, "minute": 15}
